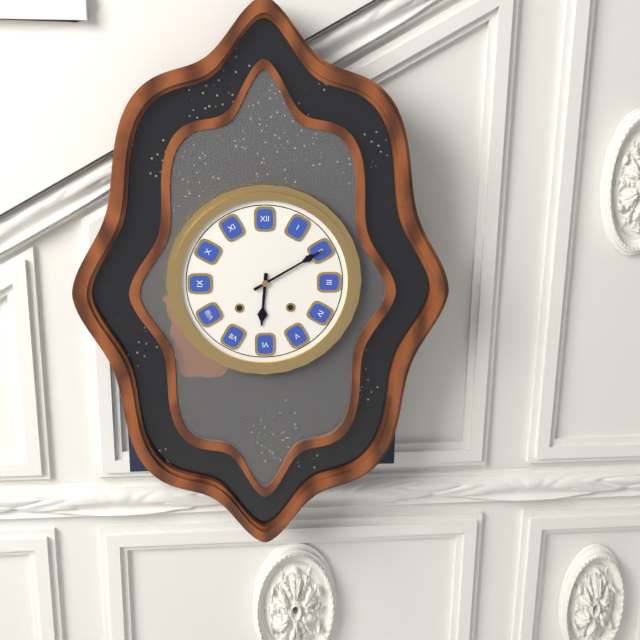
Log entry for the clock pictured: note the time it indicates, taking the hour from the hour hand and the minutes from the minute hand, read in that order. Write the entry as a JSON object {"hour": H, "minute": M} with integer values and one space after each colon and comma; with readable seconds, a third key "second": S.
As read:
{"hour": 6, "minute": 10}
